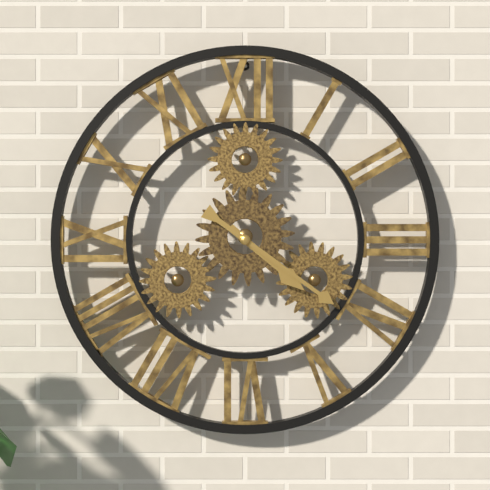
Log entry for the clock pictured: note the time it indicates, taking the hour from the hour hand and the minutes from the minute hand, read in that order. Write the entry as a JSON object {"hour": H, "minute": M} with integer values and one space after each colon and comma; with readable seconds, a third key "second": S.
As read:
{"hour": 4, "minute": 21}
